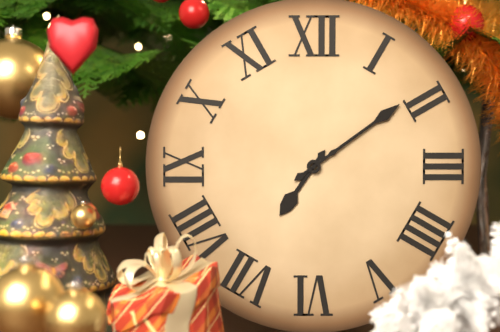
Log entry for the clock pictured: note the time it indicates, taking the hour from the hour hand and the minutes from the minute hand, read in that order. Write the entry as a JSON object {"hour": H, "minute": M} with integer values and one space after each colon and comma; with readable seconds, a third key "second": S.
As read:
{"hour": 7, "minute": 9}
